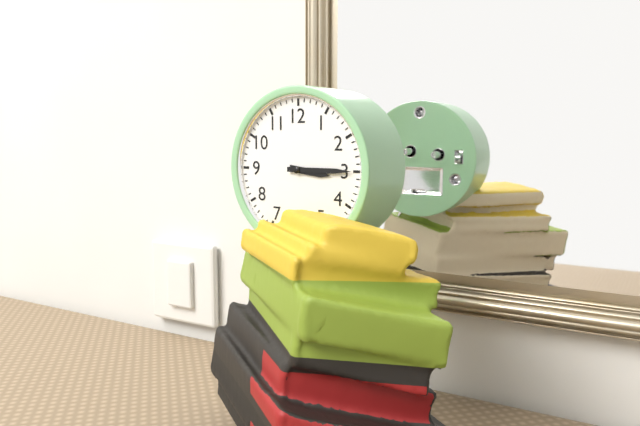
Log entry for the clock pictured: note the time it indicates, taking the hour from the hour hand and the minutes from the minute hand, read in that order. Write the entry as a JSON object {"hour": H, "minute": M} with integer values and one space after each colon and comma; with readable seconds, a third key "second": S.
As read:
{"hour": 3, "minute": 15}
